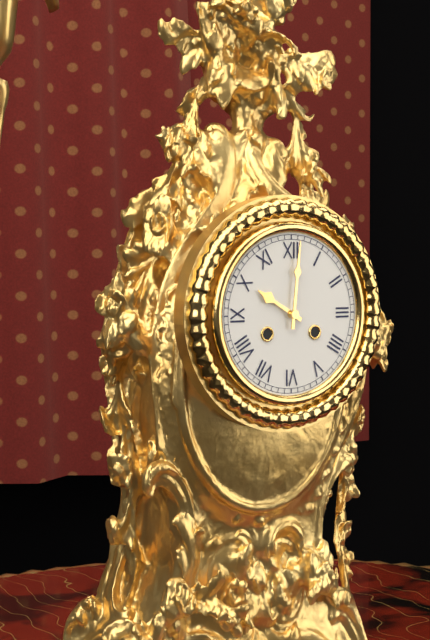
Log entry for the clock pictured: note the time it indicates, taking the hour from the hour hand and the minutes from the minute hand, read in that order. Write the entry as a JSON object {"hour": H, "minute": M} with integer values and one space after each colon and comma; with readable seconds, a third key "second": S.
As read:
{"hour": 10, "minute": 1}
